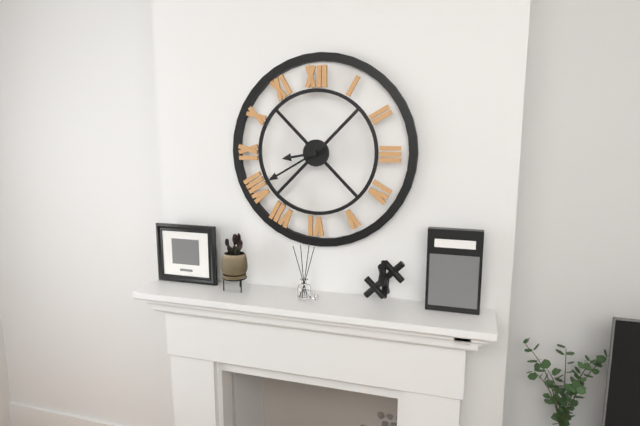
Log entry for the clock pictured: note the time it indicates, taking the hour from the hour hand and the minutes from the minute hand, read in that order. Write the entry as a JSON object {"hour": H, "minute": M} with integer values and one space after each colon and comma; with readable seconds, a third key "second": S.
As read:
{"hour": 8, "minute": 40}
